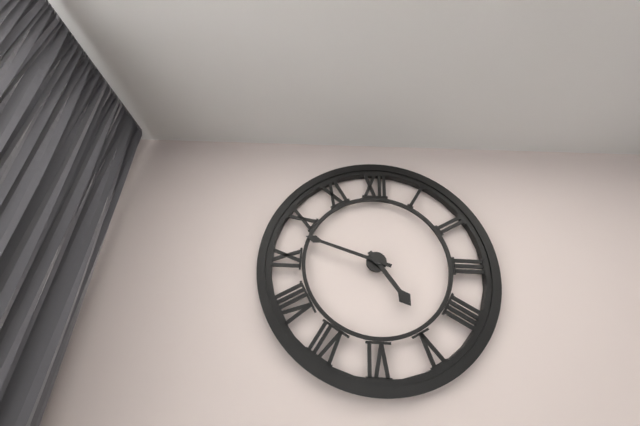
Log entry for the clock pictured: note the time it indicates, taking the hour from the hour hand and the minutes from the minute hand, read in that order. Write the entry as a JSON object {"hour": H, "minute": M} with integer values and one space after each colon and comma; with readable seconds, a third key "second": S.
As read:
{"hour": 4, "minute": 48}
